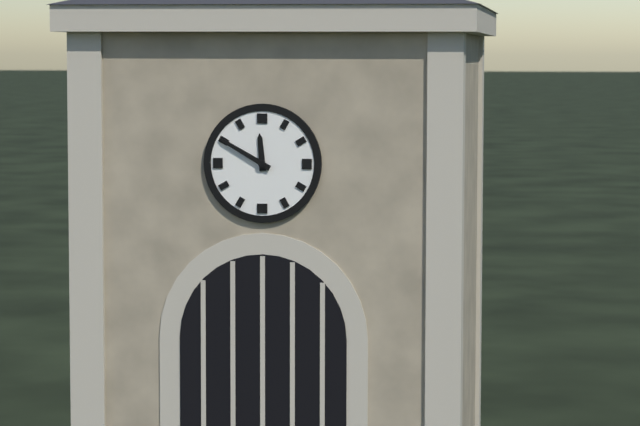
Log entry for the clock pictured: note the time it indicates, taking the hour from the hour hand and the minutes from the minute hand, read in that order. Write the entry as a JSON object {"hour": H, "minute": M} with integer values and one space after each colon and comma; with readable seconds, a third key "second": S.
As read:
{"hour": 11, "minute": 50}
